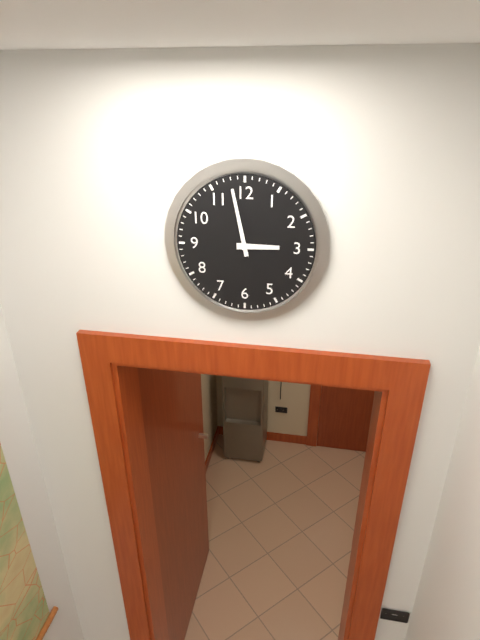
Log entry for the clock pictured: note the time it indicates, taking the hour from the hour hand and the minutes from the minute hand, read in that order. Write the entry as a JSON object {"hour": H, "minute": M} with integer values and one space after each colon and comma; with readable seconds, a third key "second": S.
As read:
{"hour": 2, "minute": 58}
